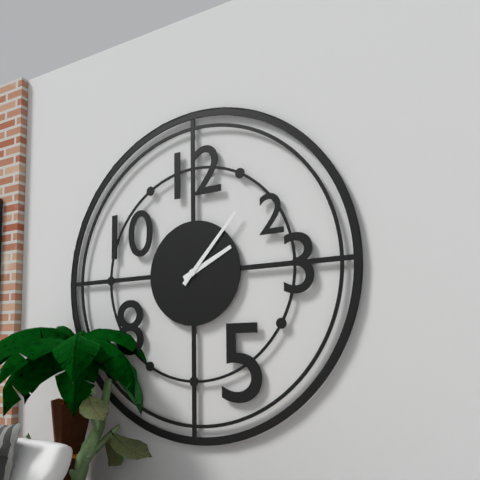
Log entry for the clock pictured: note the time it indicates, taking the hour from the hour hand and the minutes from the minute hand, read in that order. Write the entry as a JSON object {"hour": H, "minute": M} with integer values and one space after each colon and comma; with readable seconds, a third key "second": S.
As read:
{"hour": 2, "minute": 7}
